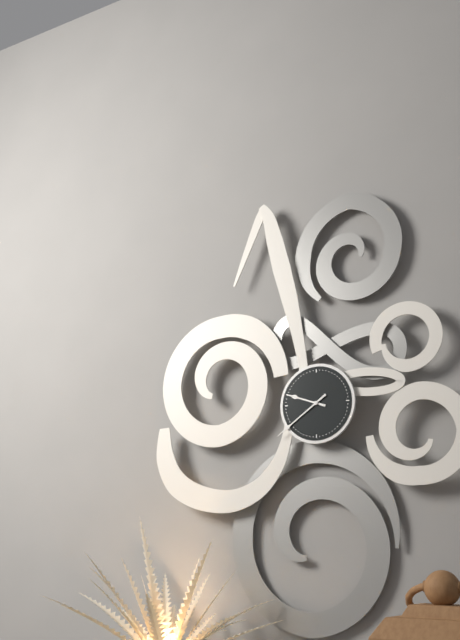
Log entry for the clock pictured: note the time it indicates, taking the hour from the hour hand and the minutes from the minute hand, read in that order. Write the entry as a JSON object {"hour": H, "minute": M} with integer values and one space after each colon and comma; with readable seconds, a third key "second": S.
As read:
{"hour": 9, "minute": 39}
